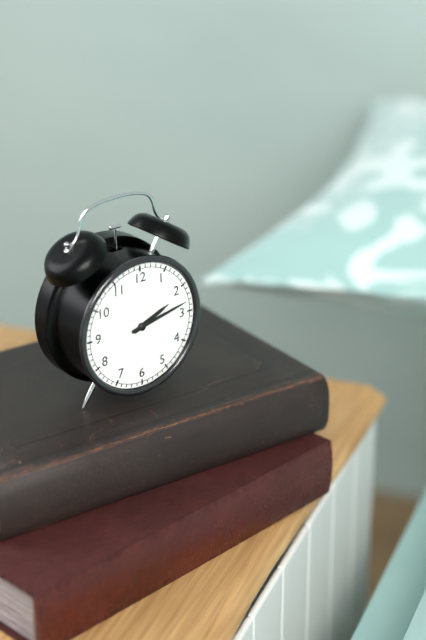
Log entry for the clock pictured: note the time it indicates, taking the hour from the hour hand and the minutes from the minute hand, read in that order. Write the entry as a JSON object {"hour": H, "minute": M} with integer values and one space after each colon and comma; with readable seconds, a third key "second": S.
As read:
{"hour": 2, "minute": 13}
